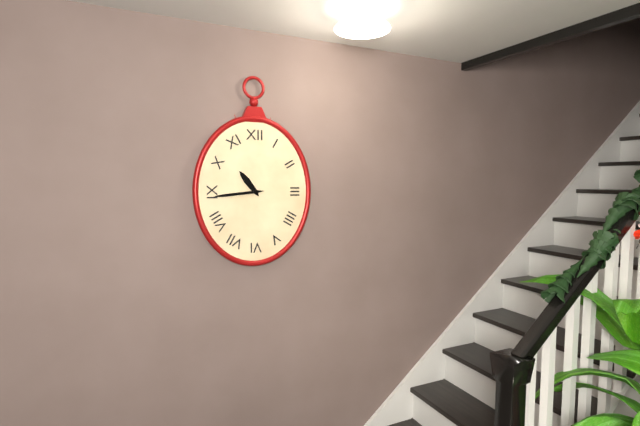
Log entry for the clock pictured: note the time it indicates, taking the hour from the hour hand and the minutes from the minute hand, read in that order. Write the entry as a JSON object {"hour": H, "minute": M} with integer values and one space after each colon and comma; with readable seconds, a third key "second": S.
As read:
{"hour": 10, "minute": 44}
